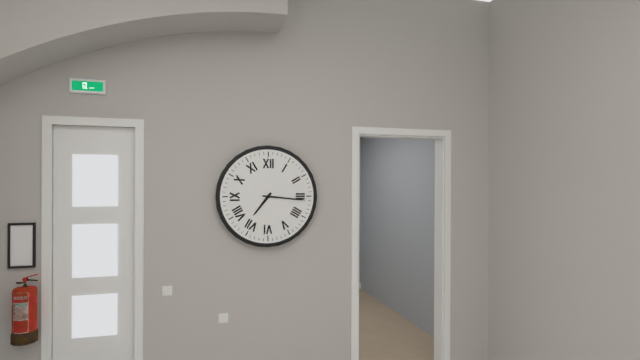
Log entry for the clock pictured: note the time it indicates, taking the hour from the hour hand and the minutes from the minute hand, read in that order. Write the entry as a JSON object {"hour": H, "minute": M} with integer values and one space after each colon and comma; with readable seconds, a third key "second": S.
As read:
{"hour": 7, "minute": 16}
